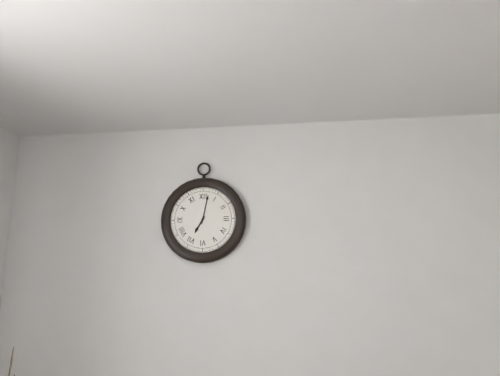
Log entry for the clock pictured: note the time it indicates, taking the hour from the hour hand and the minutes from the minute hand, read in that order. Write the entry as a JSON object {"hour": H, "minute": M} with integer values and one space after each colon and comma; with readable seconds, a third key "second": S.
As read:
{"hour": 7, "minute": 2}
